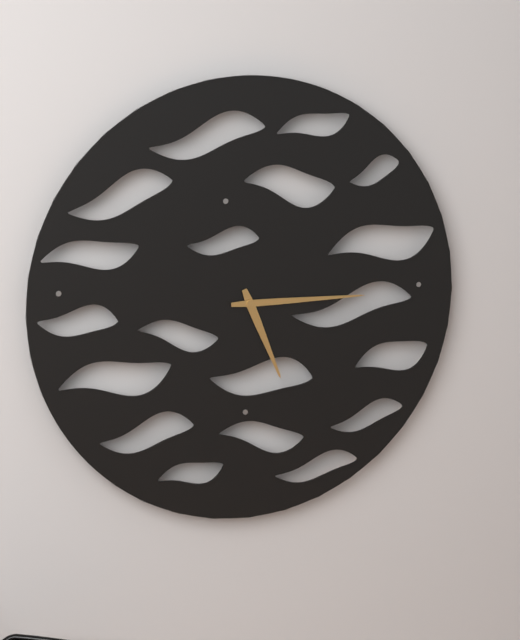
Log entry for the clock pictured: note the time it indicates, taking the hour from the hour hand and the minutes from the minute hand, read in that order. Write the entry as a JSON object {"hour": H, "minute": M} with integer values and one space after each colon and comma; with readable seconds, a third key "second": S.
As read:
{"hour": 5, "minute": 15}
